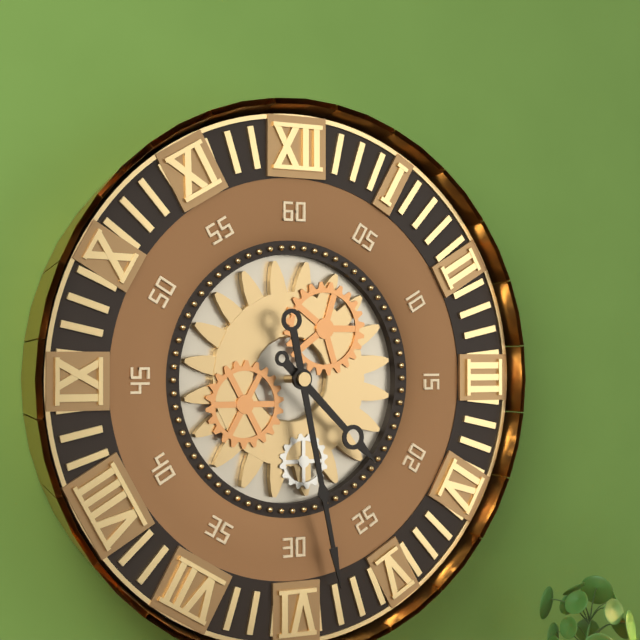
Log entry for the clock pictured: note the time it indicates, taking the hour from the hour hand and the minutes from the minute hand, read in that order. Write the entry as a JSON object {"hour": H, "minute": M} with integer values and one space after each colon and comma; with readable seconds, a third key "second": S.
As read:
{"hour": 4, "minute": 28}
